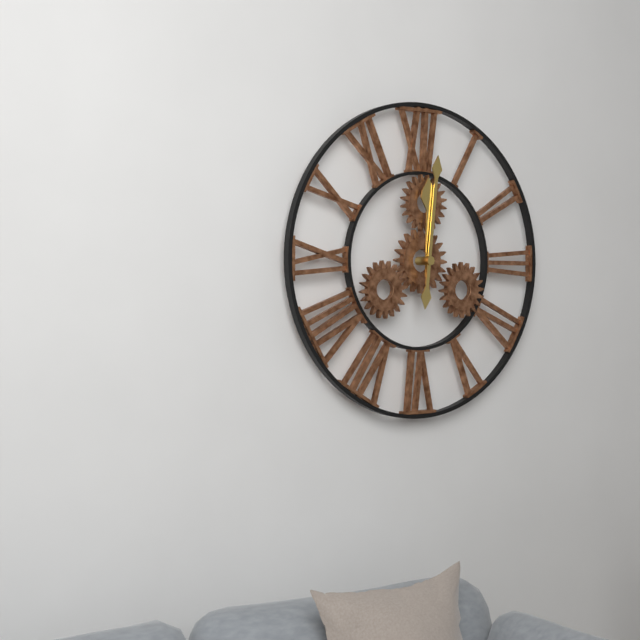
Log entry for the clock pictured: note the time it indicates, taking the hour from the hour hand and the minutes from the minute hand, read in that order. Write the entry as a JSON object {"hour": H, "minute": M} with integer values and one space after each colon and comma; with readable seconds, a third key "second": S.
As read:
{"hour": 12, "minute": 1}
